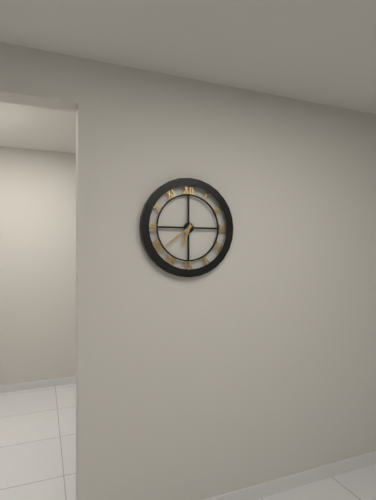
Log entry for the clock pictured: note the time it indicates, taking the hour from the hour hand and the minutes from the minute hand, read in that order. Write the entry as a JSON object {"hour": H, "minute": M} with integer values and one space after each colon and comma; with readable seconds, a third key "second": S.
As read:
{"hour": 6, "minute": 39}
